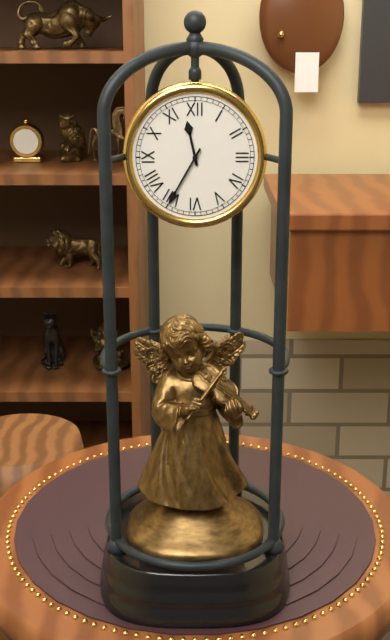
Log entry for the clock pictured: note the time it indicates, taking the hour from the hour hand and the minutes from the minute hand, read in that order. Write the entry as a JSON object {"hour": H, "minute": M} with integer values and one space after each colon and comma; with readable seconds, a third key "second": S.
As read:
{"hour": 11, "minute": 35}
